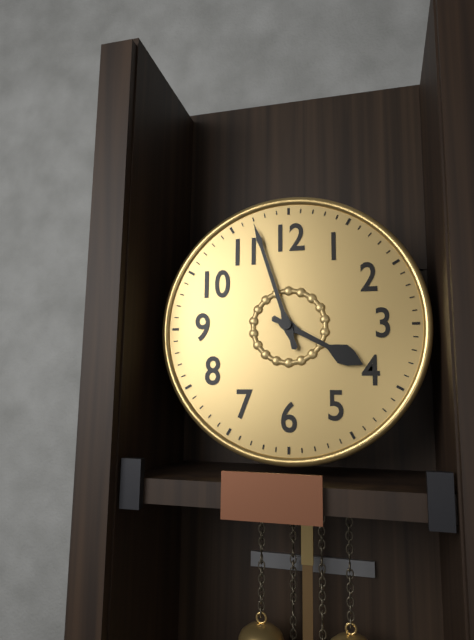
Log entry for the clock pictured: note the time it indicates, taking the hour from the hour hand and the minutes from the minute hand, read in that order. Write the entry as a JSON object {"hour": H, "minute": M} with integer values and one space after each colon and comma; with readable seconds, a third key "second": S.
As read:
{"hour": 3, "minute": 57}
